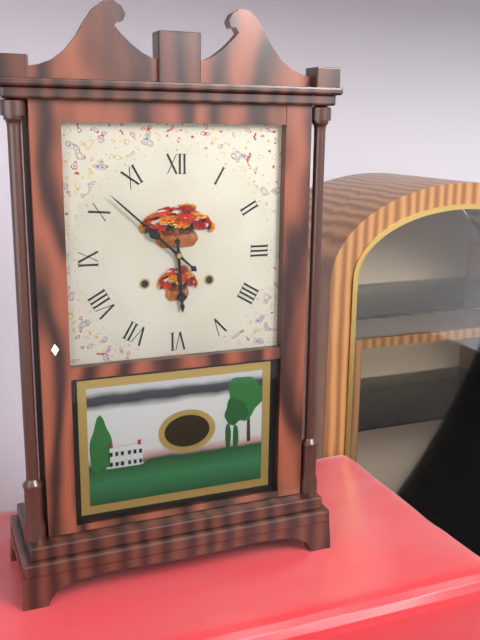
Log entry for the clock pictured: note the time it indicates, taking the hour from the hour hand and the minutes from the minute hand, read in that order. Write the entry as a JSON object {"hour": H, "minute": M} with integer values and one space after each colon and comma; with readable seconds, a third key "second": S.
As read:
{"hour": 5, "minute": 52}
